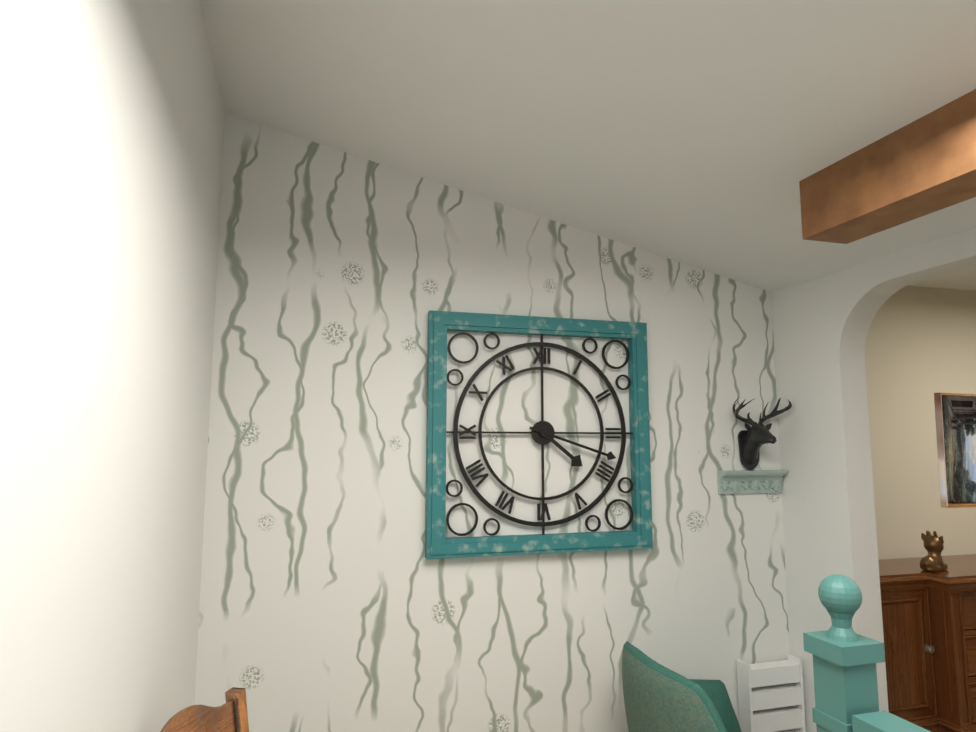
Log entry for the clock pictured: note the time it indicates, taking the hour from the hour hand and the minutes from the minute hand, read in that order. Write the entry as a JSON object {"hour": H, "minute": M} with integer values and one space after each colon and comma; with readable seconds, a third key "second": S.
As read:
{"hour": 4, "minute": 18}
